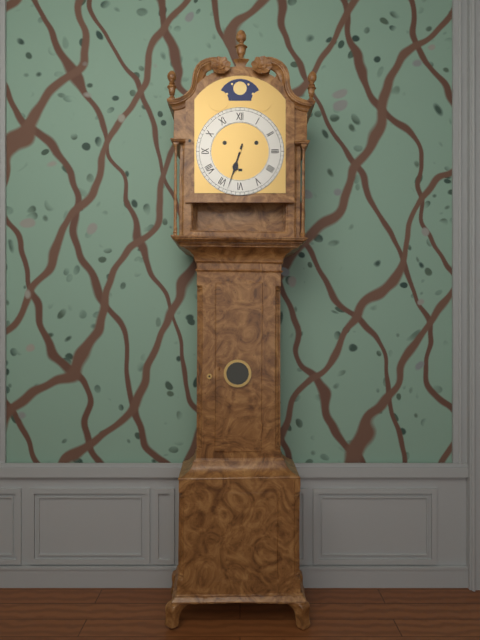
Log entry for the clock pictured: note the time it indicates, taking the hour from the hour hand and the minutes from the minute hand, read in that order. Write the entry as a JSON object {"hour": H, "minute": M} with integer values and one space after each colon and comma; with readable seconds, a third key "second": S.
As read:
{"hour": 6, "minute": 33}
